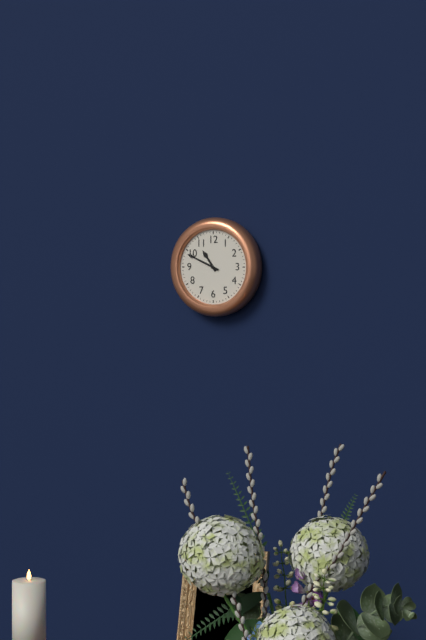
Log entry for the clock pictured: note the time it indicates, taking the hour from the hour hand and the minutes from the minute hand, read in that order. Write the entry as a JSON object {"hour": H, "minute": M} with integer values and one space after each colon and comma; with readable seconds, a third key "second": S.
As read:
{"hour": 10, "minute": 49}
